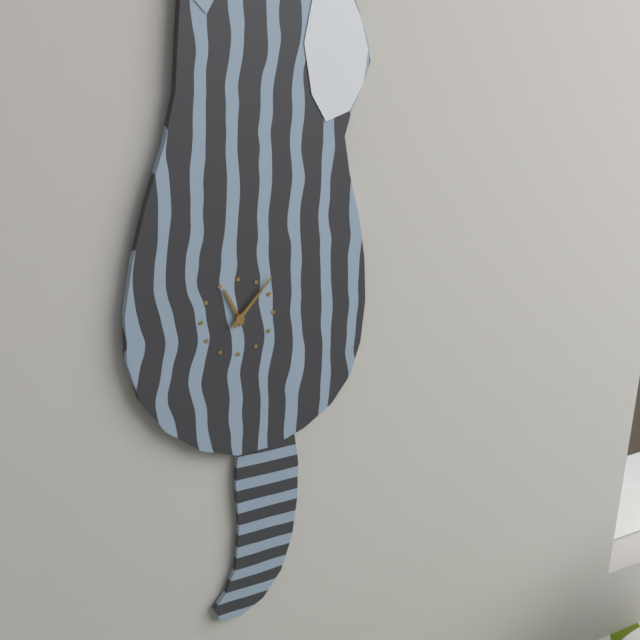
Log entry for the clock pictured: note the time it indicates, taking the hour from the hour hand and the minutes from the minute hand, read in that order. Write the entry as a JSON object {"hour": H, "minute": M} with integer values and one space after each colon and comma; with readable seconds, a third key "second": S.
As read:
{"hour": 11, "minute": 7}
